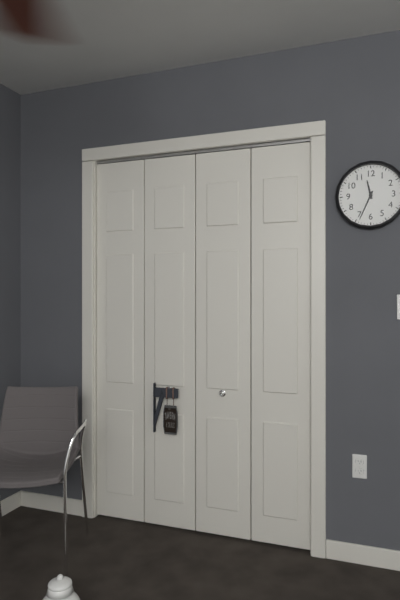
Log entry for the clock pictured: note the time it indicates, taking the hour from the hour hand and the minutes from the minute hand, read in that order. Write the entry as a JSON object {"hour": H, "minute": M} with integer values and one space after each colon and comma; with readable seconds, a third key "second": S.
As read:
{"hour": 11, "minute": 34}
